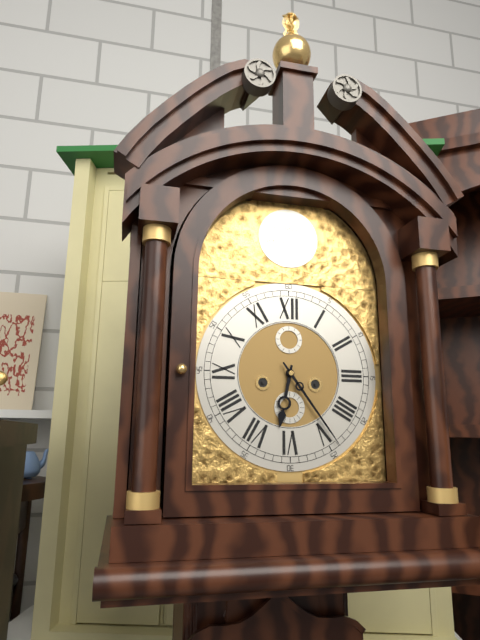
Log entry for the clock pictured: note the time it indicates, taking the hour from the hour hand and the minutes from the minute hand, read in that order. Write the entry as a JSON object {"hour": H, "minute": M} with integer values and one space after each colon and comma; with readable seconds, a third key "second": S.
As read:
{"hour": 6, "minute": 24}
